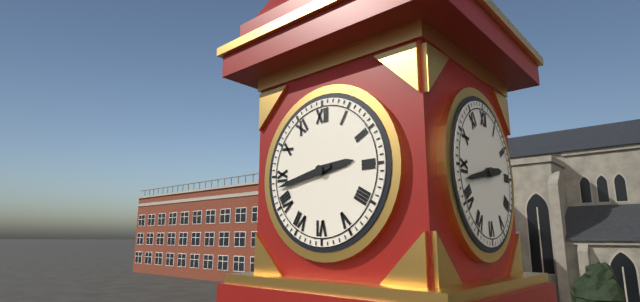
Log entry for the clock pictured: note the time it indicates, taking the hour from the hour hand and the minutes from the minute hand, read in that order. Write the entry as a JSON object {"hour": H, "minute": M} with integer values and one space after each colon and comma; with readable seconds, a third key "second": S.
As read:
{"hour": 2, "minute": 43}
